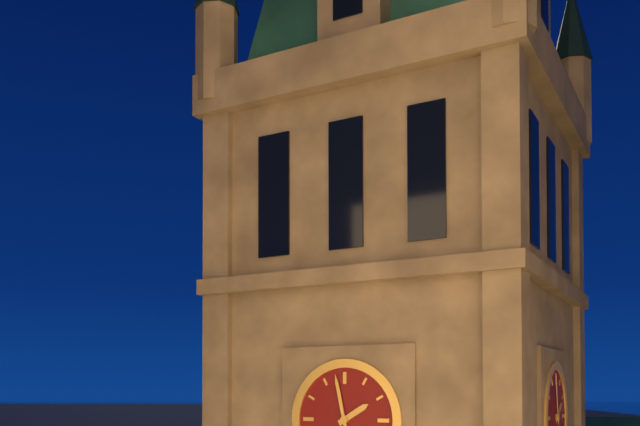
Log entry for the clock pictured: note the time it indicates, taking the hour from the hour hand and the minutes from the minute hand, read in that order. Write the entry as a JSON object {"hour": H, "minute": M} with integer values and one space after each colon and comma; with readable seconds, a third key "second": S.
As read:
{"hour": 1, "minute": 58}
